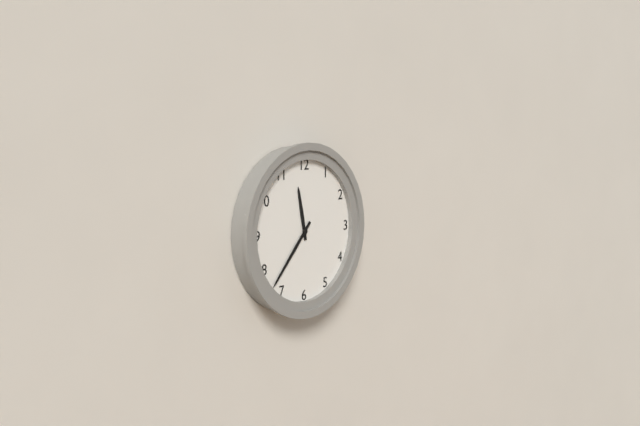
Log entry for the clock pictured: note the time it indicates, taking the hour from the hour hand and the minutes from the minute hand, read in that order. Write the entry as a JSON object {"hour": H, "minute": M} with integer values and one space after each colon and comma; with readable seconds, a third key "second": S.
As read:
{"hour": 11, "minute": 37}
